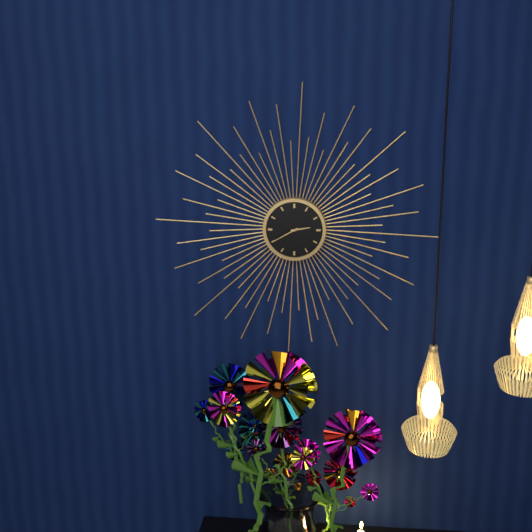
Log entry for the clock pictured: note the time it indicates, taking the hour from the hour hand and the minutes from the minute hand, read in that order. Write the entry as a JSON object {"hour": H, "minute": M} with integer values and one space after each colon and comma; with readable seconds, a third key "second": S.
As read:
{"hour": 2, "minute": 40}
